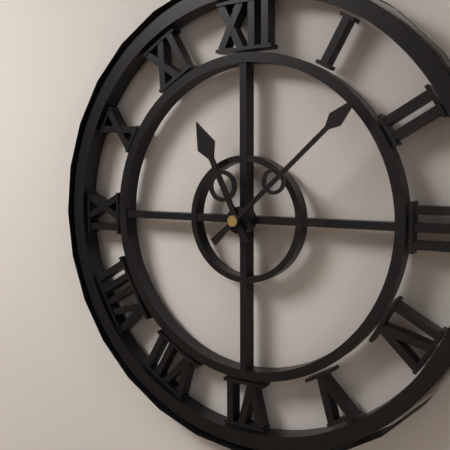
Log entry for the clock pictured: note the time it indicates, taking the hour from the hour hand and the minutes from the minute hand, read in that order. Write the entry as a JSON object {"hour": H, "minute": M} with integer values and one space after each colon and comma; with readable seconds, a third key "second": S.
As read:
{"hour": 11, "minute": 8}
